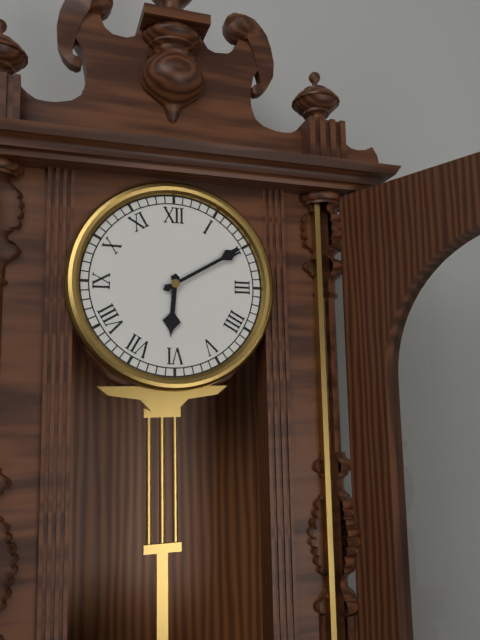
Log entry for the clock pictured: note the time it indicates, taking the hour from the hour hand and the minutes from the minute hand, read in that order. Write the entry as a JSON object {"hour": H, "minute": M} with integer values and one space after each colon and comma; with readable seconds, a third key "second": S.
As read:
{"hour": 6, "minute": 10}
